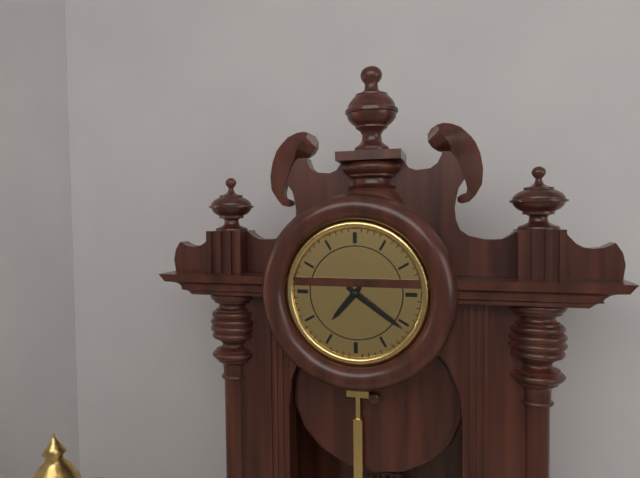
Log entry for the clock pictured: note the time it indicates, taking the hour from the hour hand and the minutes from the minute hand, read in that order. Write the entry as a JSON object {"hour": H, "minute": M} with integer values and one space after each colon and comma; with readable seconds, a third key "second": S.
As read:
{"hour": 7, "minute": 21}
